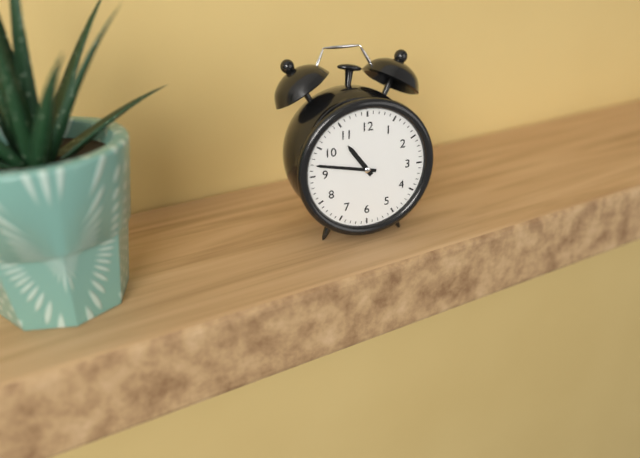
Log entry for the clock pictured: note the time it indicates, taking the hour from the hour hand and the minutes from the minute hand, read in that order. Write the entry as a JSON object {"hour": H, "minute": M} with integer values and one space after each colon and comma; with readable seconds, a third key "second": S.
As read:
{"hour": 10, "minute": 47}
